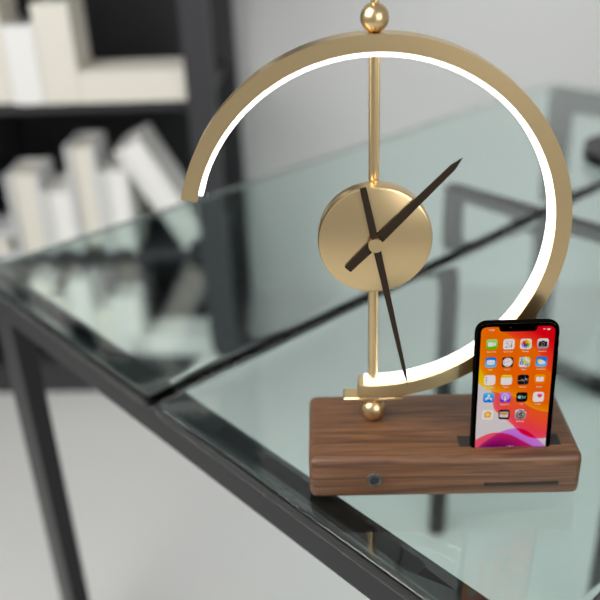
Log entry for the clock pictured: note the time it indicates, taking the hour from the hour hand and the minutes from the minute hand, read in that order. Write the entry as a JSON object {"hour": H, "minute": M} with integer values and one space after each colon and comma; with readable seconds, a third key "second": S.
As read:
{"hour": 1, "minute": 28}
